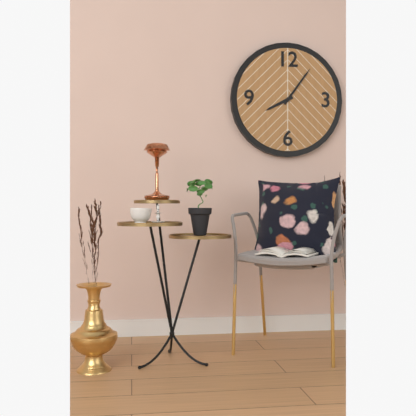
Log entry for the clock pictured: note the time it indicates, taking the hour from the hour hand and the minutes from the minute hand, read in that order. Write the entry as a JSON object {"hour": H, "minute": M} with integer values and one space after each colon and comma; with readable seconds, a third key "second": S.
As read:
{"hour": 8, "minute": 6}
